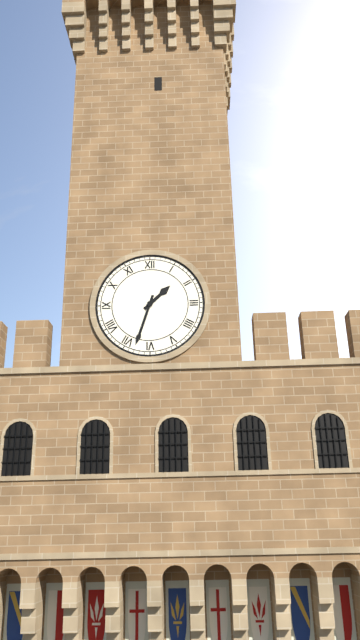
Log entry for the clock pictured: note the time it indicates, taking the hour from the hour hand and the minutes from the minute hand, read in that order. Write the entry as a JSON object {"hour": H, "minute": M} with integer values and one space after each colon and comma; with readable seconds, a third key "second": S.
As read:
{"hour": 1, "minute": 33}
